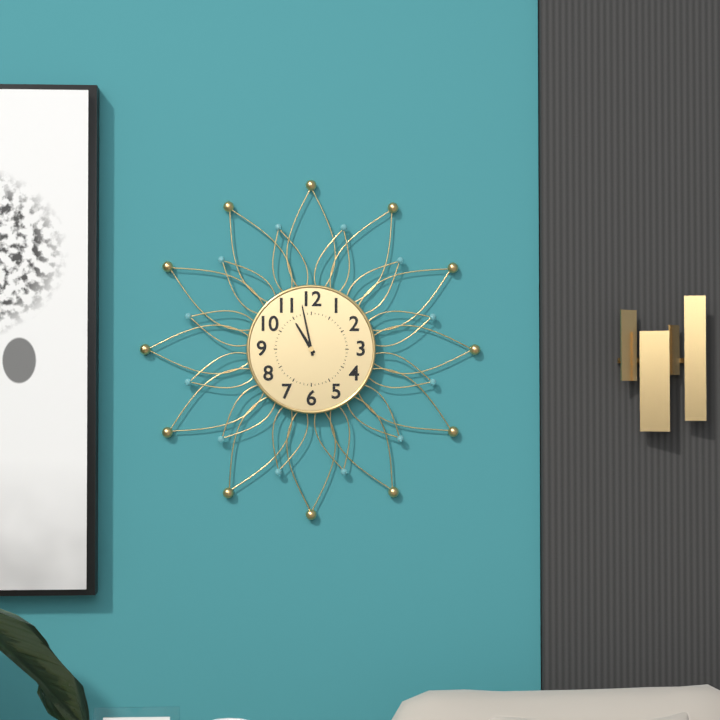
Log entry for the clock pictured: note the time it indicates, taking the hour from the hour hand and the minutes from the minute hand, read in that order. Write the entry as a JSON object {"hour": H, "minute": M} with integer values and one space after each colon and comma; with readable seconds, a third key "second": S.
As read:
{"hour": 10, "minute": 58}
